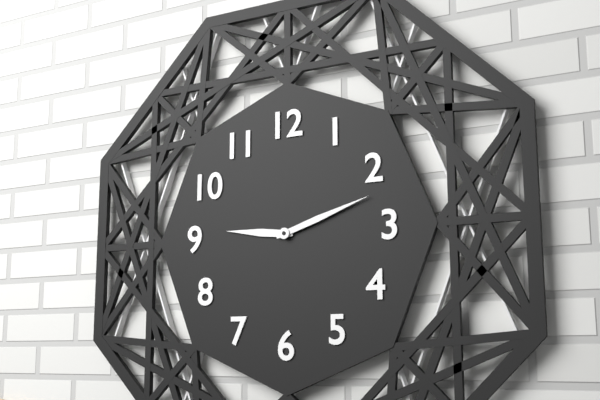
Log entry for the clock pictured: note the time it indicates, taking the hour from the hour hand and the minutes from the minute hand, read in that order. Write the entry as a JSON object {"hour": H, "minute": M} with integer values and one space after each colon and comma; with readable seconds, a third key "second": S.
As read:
{"hour": 9, "minute": 12}
